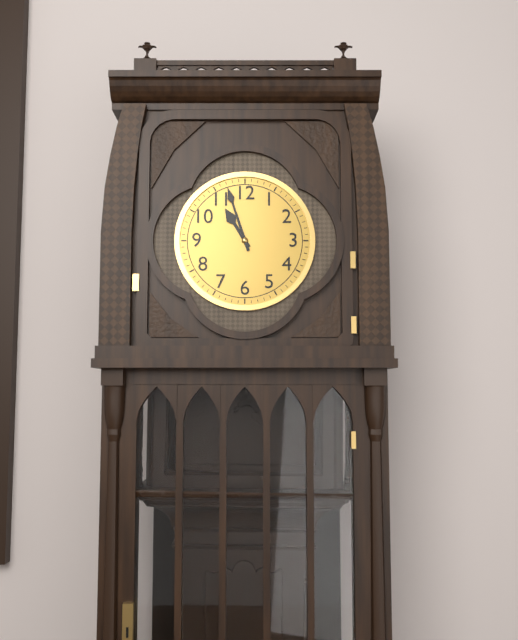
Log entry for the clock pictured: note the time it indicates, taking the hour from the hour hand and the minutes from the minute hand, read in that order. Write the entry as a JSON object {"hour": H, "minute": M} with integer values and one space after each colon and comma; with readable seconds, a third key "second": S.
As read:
{"hour": 10, "minute": 57}
